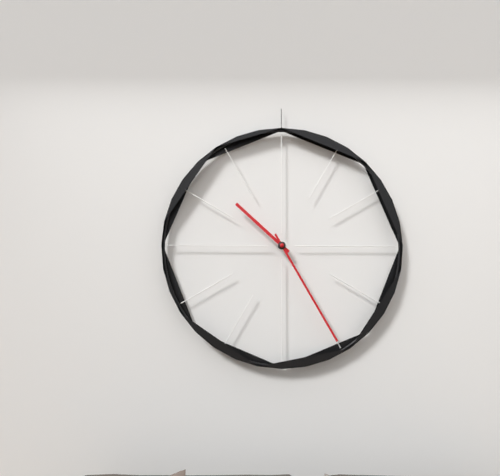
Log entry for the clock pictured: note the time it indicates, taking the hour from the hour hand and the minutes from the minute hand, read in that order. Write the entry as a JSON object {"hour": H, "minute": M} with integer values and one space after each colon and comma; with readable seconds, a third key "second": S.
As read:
{"hour": 10, "minute": 25}
